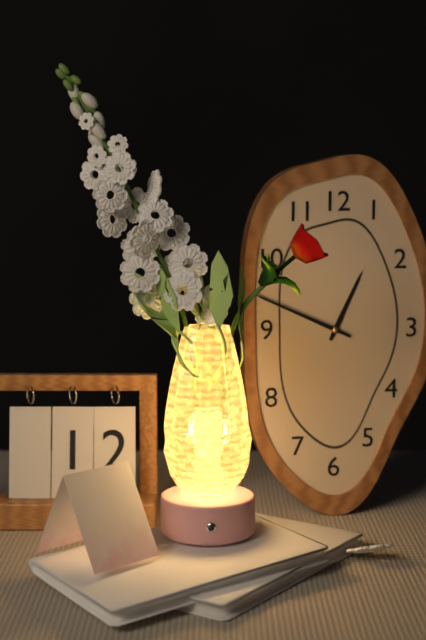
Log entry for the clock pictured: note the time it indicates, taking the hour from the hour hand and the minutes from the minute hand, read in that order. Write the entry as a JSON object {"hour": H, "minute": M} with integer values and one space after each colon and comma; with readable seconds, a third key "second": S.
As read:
{"hour": 12, "minute": 49}
